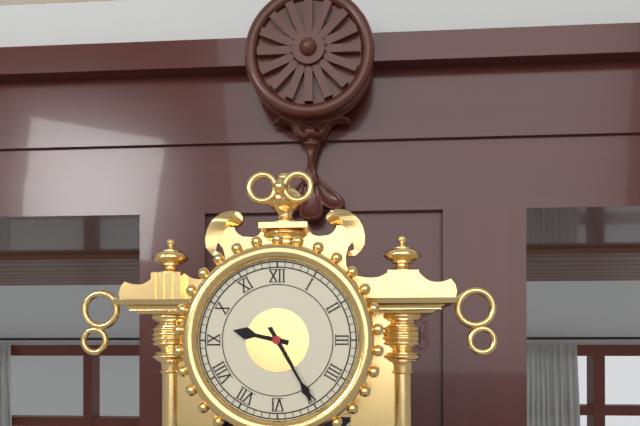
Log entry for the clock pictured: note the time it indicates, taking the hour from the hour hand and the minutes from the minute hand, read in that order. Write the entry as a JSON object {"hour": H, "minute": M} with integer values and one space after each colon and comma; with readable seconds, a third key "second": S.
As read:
{"hour": 9, "minute": 25}
